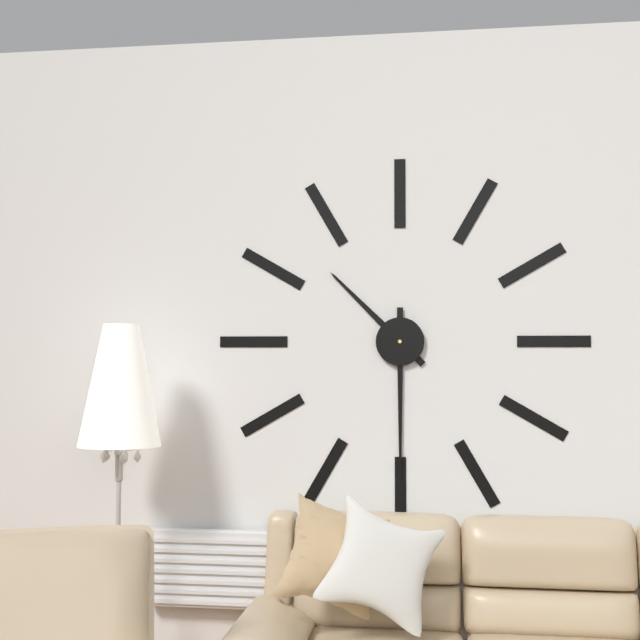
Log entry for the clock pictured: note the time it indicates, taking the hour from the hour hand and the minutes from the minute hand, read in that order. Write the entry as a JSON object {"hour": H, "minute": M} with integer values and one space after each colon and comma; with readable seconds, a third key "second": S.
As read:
{"hour": 10, "minute": 30}
